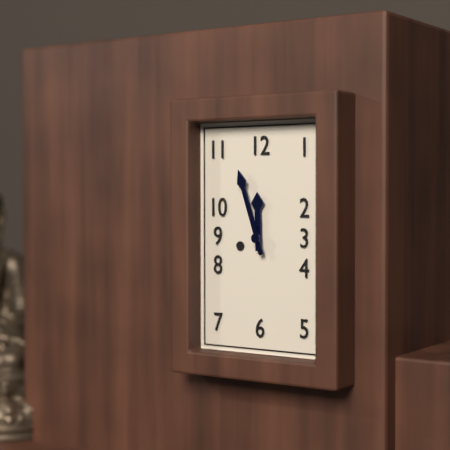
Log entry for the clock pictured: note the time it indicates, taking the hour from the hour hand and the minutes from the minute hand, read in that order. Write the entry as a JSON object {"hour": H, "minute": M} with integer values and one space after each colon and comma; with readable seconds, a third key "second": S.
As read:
{"hour": 11, "minute": 57}
